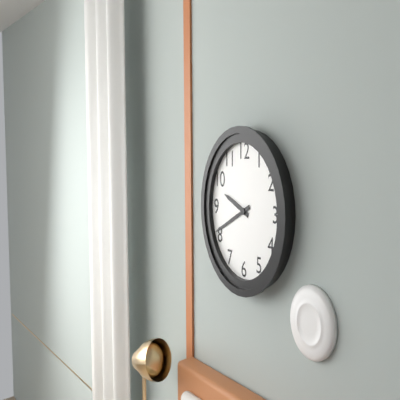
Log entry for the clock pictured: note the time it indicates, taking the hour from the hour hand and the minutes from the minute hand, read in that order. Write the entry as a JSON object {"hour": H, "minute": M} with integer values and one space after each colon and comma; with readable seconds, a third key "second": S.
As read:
{"hour": 9, "minute": 41}
